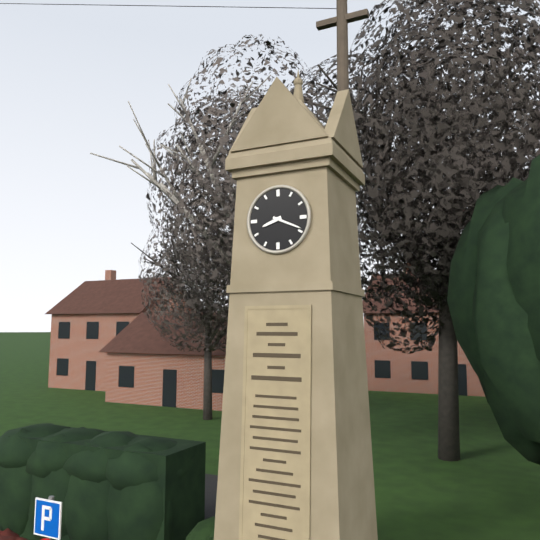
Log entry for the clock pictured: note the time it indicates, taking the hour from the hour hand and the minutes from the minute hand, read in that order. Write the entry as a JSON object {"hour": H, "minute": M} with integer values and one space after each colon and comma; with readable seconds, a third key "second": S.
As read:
{"hour": 8, "minute": 19}
